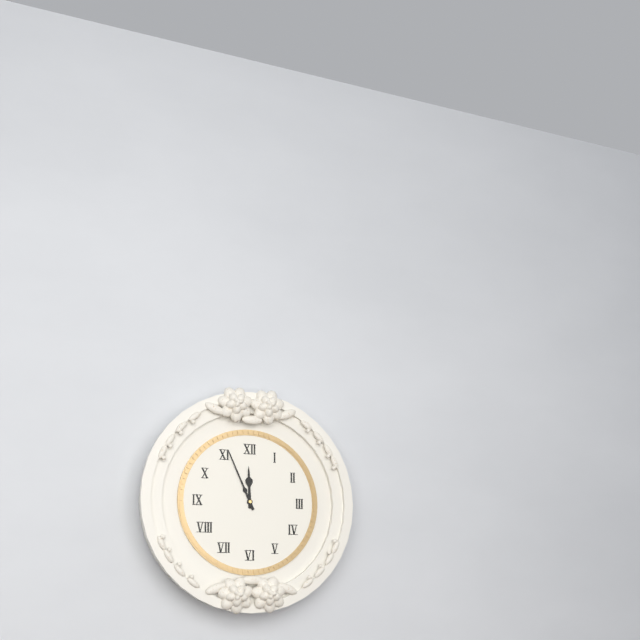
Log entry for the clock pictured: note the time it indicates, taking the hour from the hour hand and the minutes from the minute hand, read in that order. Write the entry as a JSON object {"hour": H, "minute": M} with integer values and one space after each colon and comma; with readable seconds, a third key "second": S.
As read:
{"hour": 11, "minute": 56}
